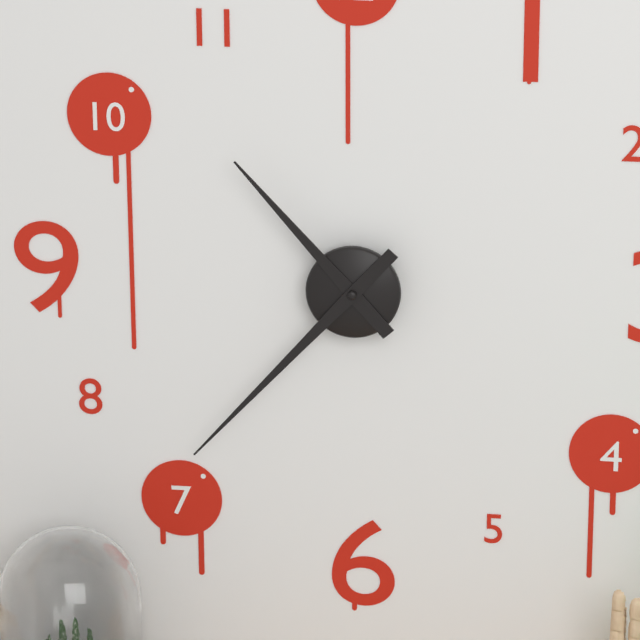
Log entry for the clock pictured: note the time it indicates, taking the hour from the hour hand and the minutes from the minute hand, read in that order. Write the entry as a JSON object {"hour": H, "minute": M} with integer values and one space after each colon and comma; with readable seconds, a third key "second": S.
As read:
{"hour": 10, "minute": 37}
